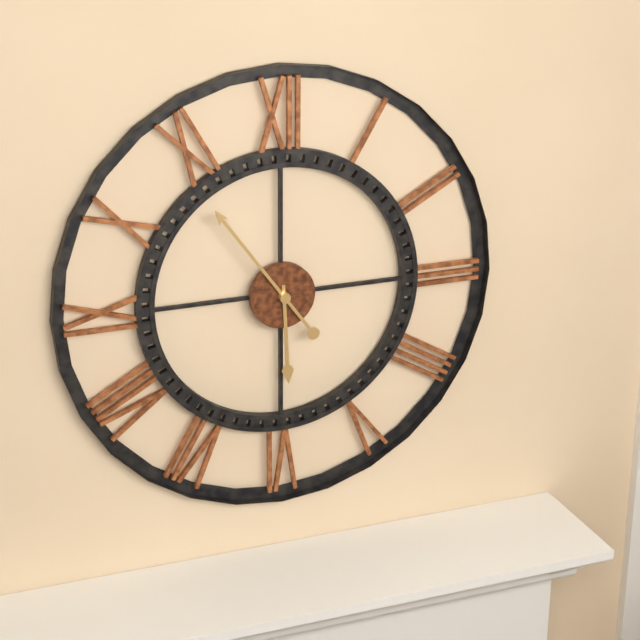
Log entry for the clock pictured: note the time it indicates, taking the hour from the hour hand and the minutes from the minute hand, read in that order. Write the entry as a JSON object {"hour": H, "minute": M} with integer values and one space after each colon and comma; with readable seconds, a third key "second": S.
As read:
{"hour": 5, "minute": 54}
